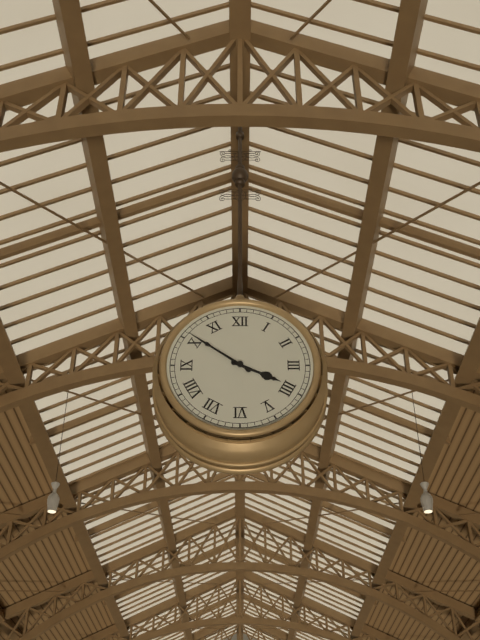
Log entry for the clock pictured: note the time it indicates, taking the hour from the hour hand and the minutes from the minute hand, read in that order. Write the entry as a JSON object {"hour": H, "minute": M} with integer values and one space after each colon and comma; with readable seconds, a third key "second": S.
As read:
{"hour": 3, "minute": 51}
